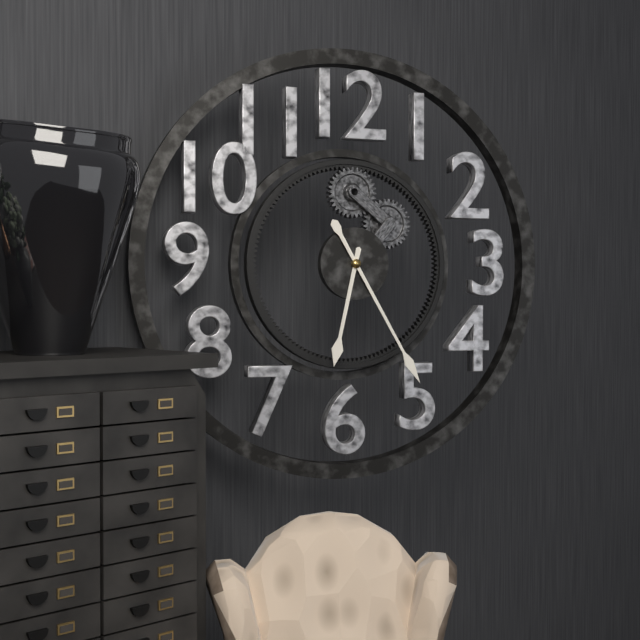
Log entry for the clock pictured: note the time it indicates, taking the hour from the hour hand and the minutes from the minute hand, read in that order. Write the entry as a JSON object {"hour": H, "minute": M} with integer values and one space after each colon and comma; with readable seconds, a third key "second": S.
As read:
{"hour": 6, "minute": 25}
